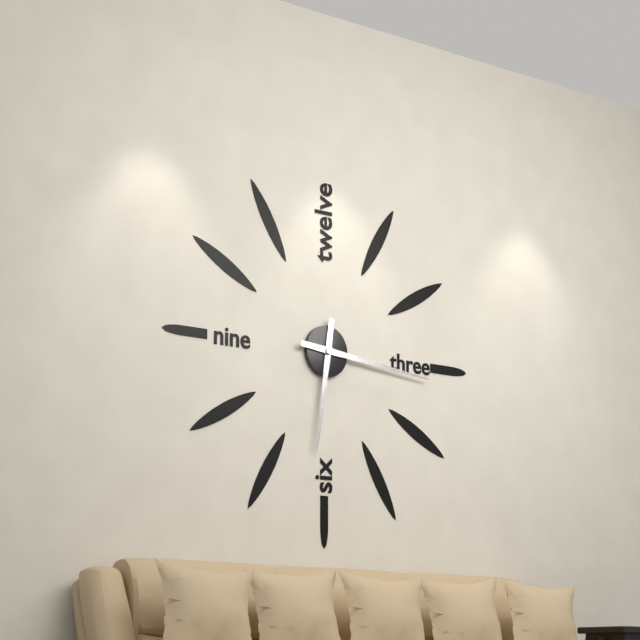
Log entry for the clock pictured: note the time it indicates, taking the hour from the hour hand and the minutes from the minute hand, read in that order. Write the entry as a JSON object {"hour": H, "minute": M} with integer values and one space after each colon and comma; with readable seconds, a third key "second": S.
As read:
{"hour": 6, "minute": 16}
